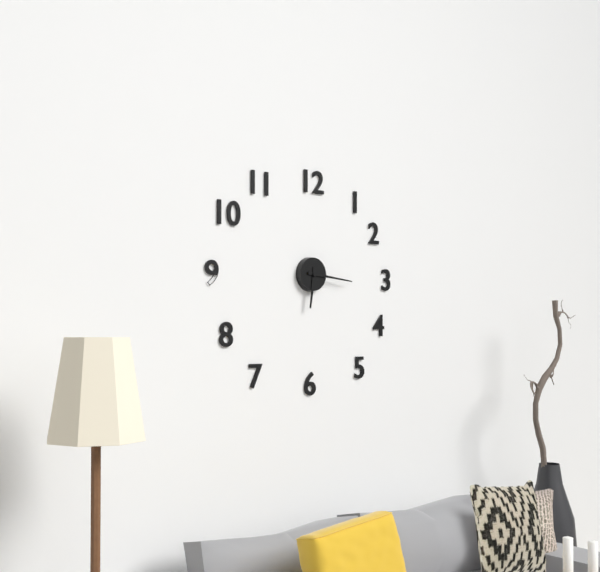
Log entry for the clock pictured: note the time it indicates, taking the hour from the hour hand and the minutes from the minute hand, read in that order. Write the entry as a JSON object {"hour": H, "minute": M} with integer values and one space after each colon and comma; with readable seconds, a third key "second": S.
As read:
{"hour": 6, "minute": 16}
